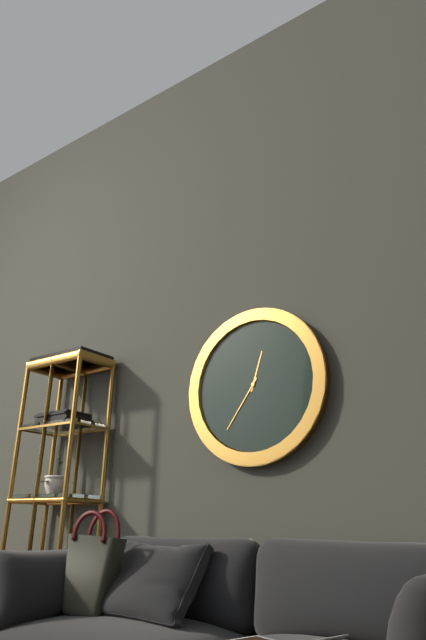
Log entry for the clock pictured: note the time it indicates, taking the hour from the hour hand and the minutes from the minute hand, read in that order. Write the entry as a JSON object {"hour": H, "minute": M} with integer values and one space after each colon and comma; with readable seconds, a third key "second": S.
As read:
{"hour": 12, "minute": 36}
